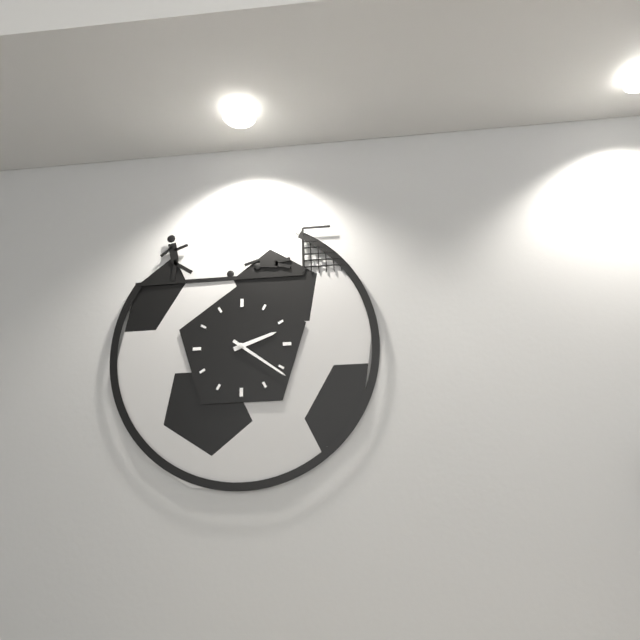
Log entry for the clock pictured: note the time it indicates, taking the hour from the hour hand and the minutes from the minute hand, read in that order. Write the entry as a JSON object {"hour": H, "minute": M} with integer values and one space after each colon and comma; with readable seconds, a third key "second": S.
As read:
{"hour": 2, "minute": 21}
